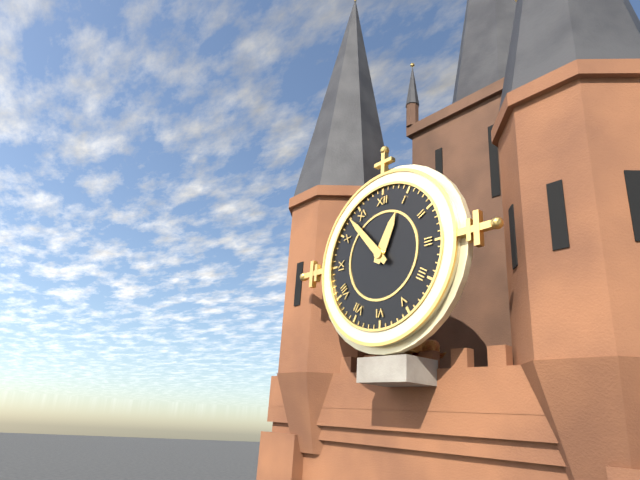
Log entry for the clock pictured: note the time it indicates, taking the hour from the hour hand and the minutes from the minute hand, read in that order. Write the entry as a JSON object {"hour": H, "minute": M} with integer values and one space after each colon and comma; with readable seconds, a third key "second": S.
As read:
{"hour": 12, "minute": 53}
